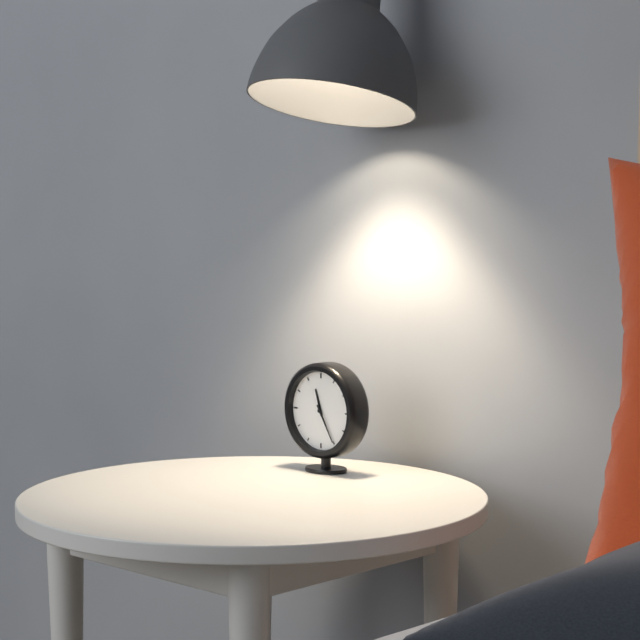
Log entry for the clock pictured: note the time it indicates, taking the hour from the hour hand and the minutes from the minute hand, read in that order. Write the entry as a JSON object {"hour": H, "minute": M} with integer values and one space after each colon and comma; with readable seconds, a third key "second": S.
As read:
{"hour": 11, "minute": 25}
